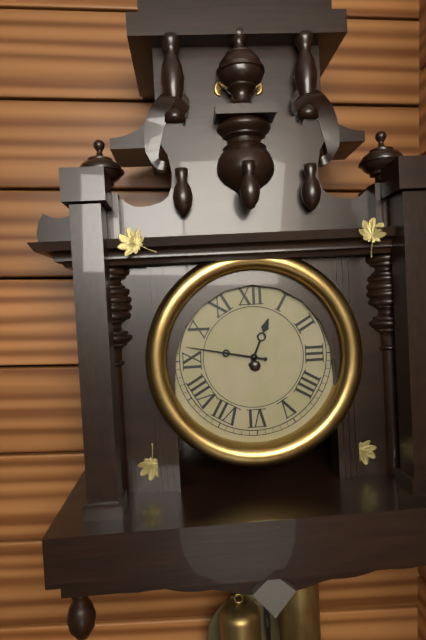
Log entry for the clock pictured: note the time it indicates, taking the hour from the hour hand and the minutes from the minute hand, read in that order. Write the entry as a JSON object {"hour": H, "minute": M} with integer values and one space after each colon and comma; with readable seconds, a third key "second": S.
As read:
{"hour": 12, "minute": 47}
